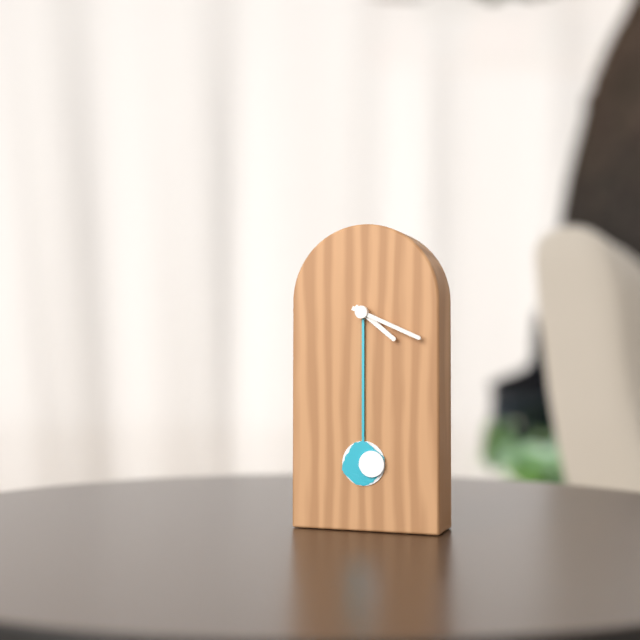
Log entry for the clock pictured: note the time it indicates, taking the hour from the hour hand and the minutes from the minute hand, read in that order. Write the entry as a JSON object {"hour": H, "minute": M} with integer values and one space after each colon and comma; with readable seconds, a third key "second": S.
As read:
{"hour": 4, "minute": 19}
